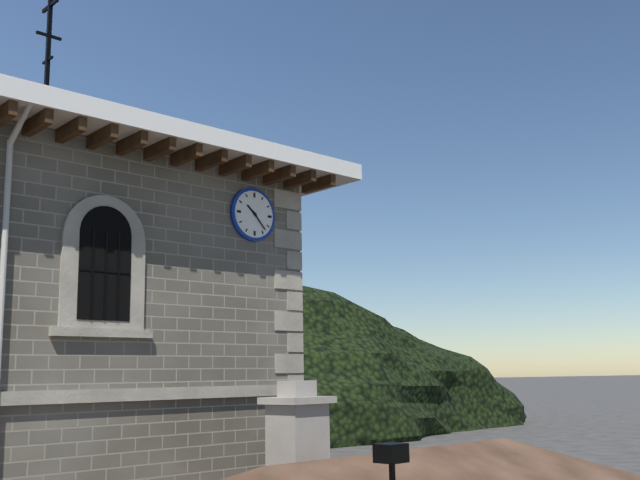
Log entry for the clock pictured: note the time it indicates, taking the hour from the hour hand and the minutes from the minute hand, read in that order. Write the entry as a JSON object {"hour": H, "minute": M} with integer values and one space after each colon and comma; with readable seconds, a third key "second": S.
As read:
{"hour": 10, "minute": 23}
